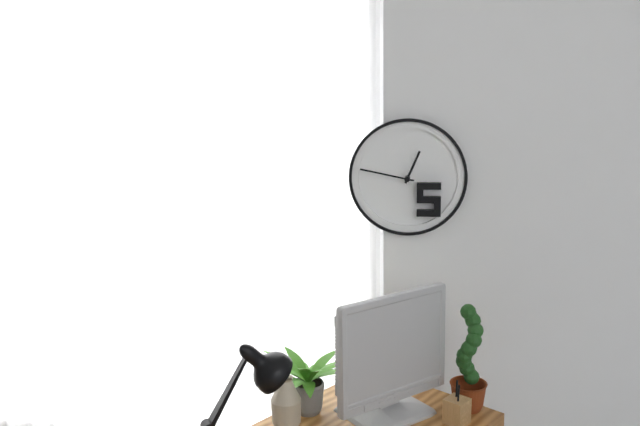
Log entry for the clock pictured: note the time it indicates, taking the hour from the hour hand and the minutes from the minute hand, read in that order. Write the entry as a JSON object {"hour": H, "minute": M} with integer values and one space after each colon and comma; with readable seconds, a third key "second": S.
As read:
{"hour": 12, "minute": 47}
